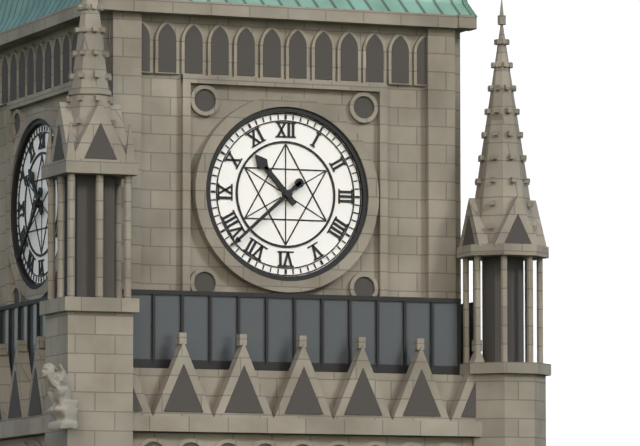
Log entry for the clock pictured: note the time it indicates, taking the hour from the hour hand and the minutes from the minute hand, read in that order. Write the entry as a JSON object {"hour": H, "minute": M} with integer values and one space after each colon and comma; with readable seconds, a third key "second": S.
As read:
{"hour": 10, "minute": 38}
